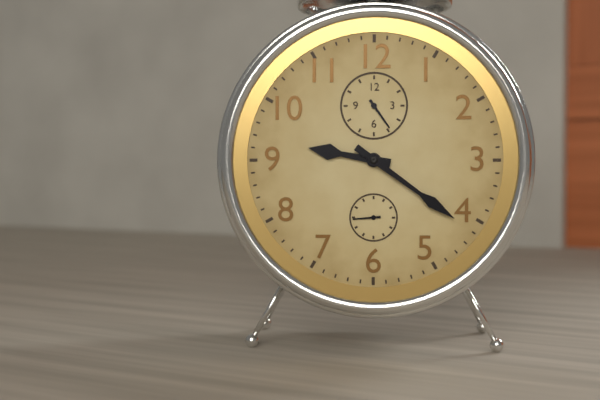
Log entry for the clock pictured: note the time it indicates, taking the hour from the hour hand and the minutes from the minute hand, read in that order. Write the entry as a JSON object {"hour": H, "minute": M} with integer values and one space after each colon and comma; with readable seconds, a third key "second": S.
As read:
{"hour": 9, "minute": 21}
